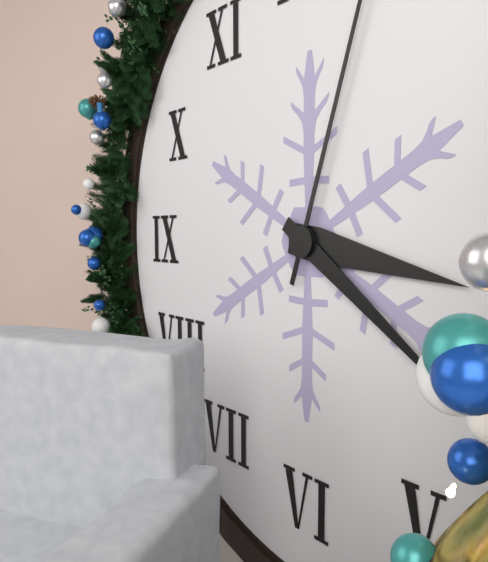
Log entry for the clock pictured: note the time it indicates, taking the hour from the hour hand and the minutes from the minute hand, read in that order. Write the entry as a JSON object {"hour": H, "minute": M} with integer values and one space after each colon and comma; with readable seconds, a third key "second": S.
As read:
{"hour": 3, "minute": 21}
